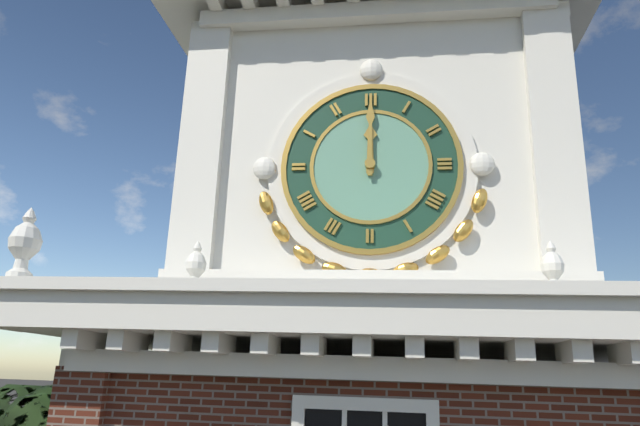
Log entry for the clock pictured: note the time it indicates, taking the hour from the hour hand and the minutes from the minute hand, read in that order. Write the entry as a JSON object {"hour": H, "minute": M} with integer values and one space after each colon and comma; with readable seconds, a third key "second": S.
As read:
{"hour": 12, "minute": 0}
